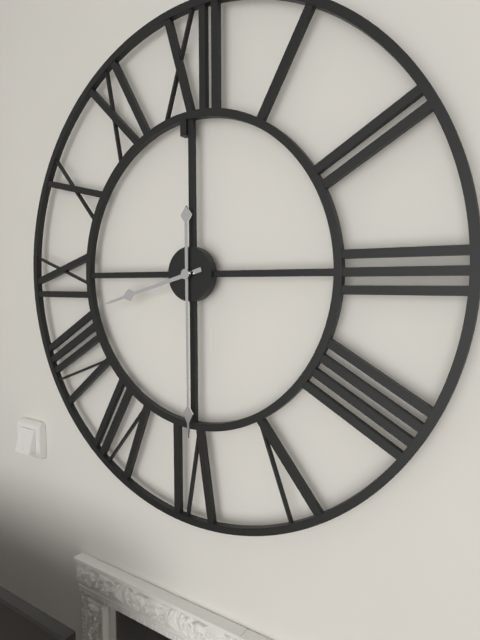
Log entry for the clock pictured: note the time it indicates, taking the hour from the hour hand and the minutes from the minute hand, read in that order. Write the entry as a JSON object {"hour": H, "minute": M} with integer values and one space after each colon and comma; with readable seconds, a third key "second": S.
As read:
{"hour": 8, "minute": 30}
